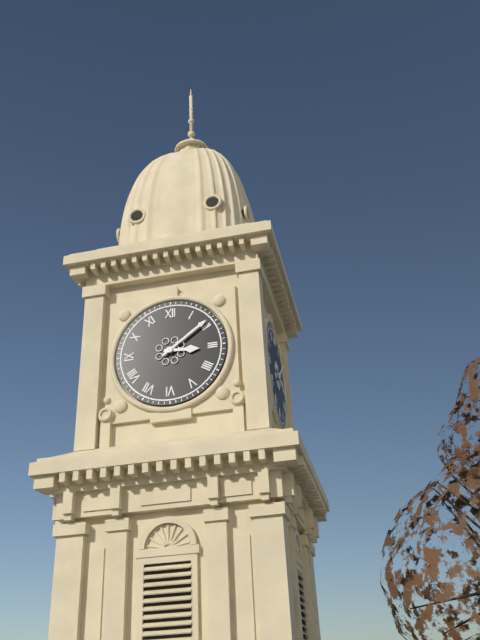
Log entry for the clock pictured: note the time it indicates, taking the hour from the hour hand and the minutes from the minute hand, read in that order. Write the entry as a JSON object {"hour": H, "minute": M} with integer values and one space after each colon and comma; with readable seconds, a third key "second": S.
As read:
{"hour": 3, "minute": 9}
